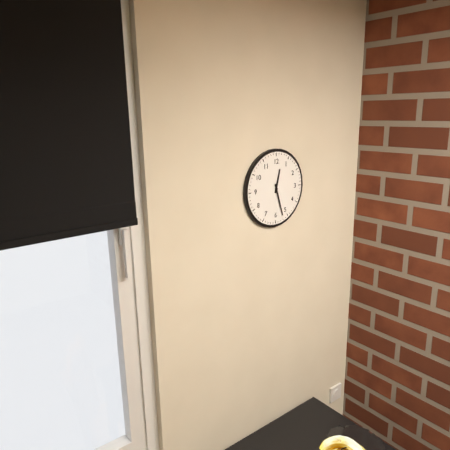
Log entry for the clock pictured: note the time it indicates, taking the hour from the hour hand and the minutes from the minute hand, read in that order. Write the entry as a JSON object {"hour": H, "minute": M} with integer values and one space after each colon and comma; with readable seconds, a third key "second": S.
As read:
{"hour": 12, "minute": 27}
